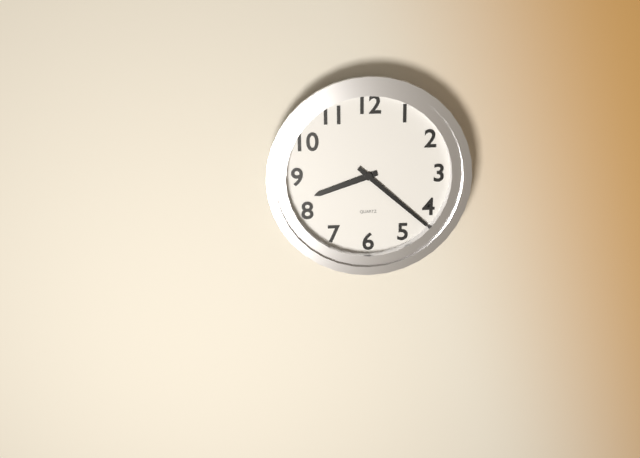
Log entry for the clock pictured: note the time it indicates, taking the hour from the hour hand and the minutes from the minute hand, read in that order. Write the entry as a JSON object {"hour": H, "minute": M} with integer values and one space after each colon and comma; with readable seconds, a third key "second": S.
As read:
{"hour": 8, "minute": 22}
